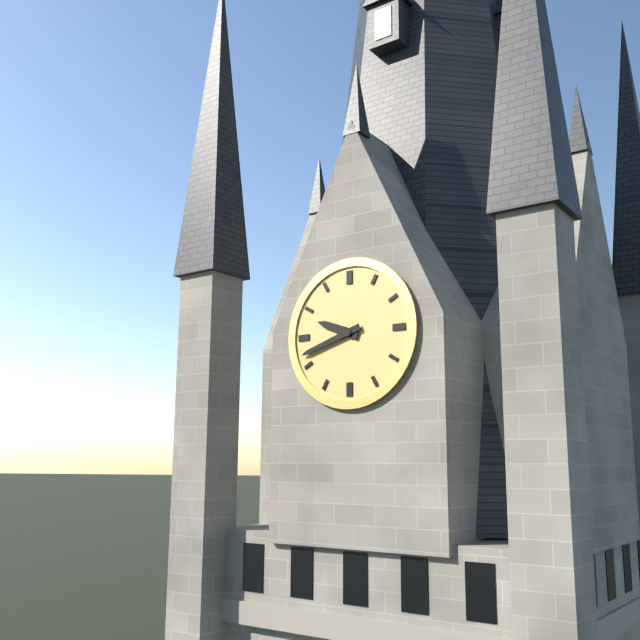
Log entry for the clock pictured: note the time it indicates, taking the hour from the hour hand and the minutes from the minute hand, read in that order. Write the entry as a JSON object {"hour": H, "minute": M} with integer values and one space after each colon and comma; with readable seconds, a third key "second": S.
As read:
{"hour": 9, "minute": 42}
